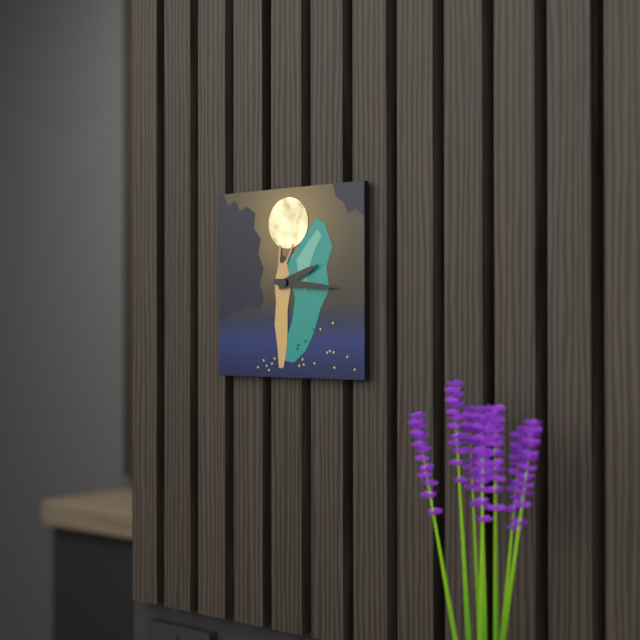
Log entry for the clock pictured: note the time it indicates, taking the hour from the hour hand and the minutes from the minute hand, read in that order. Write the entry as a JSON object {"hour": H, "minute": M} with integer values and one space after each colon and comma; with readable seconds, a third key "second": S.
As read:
{"hour": 2, "minute": 16}
